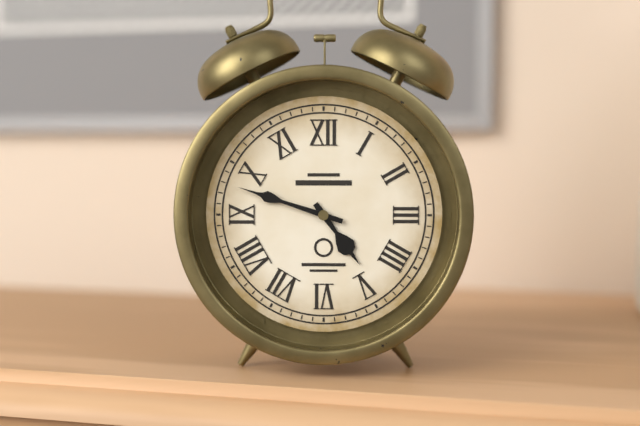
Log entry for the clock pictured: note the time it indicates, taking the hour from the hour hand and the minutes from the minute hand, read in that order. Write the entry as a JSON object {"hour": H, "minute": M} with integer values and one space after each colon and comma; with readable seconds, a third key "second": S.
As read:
{"hour": 4, "minute": 48}
